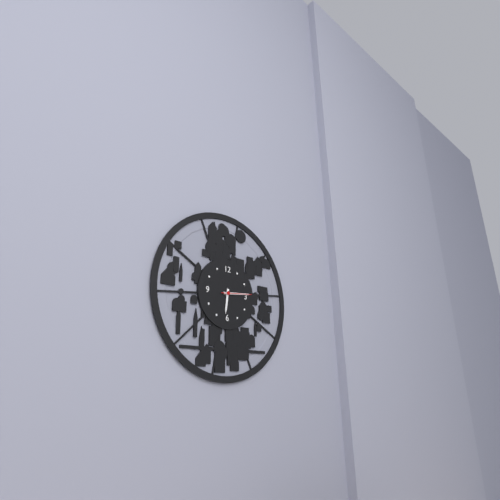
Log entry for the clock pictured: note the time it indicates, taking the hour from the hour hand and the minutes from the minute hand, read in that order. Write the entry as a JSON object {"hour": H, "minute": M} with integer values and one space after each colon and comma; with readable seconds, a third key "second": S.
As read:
{"hour": 6, "minute": 14}
